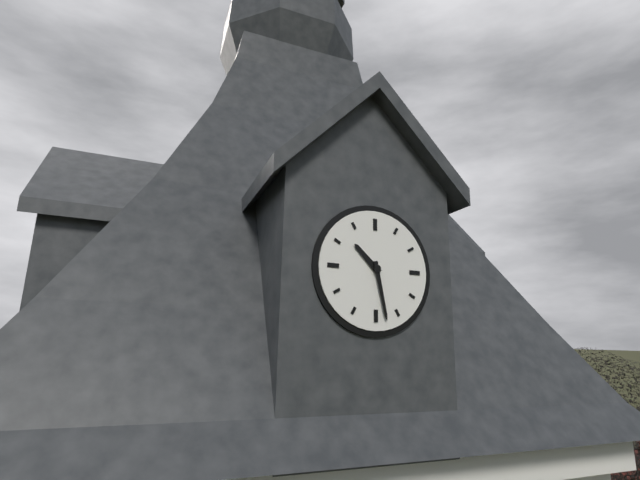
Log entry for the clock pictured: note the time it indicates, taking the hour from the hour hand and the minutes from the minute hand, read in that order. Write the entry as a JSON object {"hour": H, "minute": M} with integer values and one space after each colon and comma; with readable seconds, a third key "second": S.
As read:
{"hour": 10, "minute": 28}
